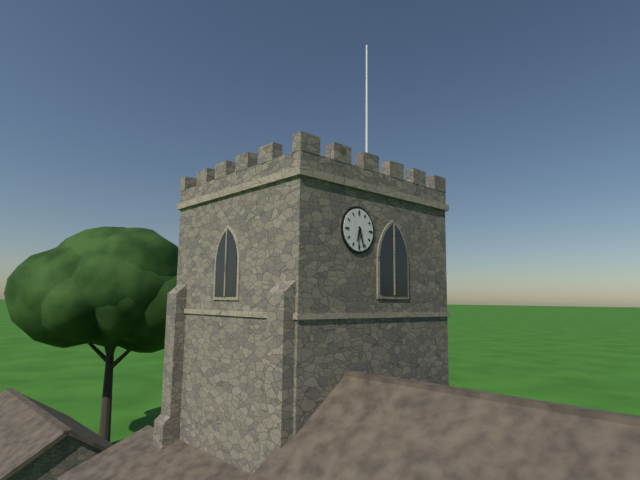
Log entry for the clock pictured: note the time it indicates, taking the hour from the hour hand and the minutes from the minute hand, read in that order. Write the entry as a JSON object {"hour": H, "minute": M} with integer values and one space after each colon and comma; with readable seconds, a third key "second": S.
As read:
{"hour": 6, "minute": 27}
